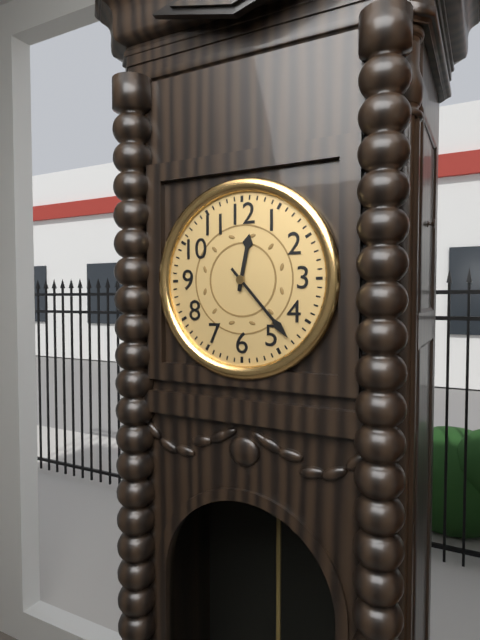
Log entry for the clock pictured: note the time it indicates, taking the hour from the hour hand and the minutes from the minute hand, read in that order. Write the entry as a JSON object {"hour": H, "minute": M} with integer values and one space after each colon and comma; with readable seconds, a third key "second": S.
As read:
{"hour": 12, "minute": 23}
